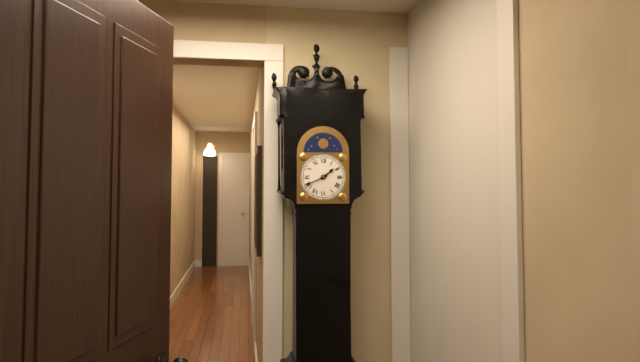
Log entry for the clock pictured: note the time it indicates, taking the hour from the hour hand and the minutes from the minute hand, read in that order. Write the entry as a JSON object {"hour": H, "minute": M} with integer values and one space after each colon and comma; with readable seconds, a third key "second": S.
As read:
{"hour": 1, "minute": 41}
